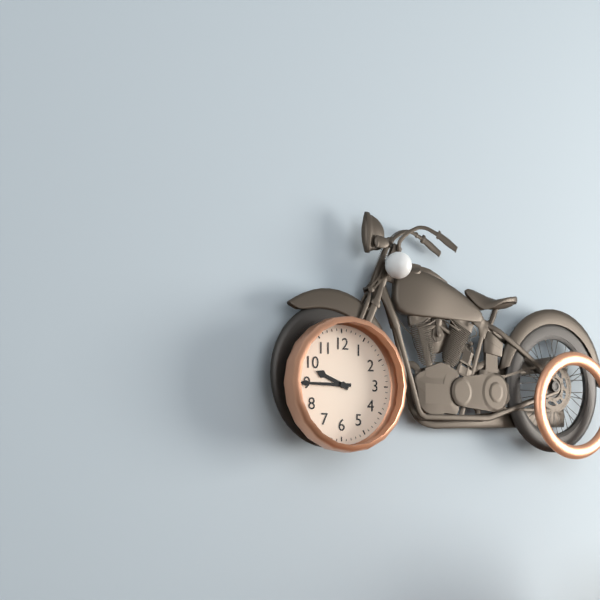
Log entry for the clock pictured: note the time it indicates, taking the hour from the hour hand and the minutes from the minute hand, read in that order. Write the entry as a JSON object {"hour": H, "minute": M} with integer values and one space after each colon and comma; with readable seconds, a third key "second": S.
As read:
{"hour": 9, "minute": 45}
